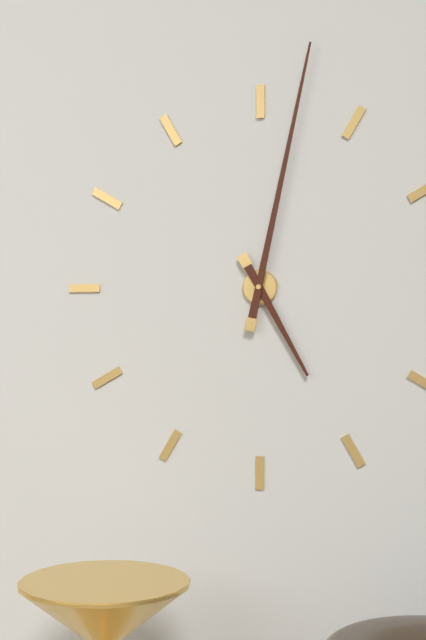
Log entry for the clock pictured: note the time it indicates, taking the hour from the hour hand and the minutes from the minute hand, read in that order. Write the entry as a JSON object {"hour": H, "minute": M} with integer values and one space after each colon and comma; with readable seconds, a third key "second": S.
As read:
{"hour": 5, "minute": 2}
